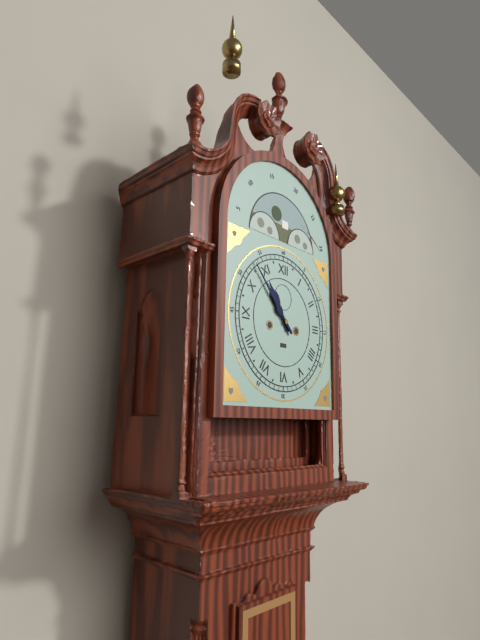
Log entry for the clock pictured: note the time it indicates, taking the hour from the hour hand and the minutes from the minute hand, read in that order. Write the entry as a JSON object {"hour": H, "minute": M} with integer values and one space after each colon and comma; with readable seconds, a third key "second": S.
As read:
{"hour": 10, "minute": 53}
